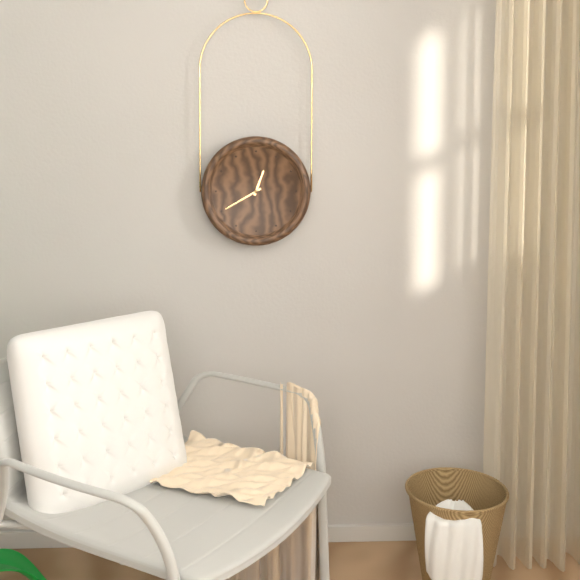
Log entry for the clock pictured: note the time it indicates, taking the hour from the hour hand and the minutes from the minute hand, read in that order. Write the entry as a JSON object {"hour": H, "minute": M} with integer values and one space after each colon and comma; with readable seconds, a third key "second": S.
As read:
{"hour": 12, "minute": 40}
